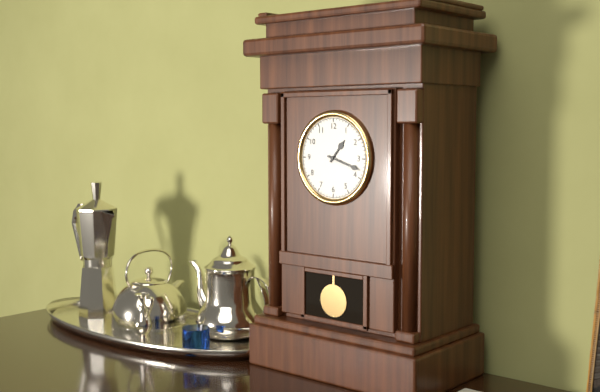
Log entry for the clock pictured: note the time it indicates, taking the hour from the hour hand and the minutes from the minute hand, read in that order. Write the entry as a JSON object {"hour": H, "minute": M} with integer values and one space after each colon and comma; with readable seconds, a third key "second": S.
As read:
{"hour": 1, "minute": 18}
